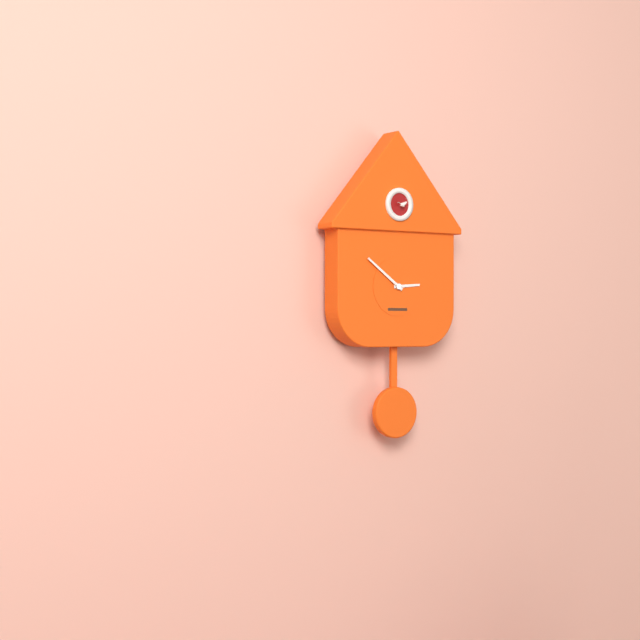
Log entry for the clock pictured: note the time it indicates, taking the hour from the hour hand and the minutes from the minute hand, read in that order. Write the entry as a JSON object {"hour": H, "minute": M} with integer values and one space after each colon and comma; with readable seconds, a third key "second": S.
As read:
{"hour": 2, "minute": 51}
